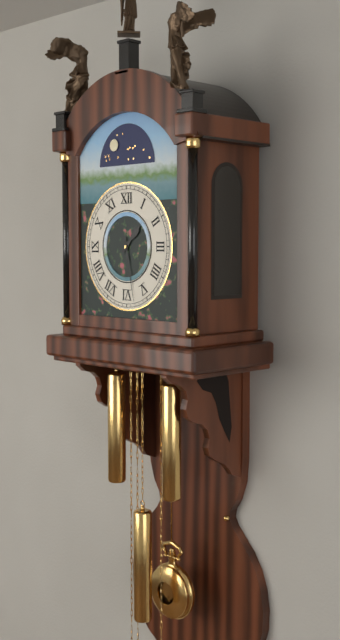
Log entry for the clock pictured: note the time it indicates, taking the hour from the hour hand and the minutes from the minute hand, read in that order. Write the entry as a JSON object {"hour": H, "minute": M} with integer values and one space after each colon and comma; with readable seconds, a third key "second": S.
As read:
{"hour": 1, "minute": 28}
